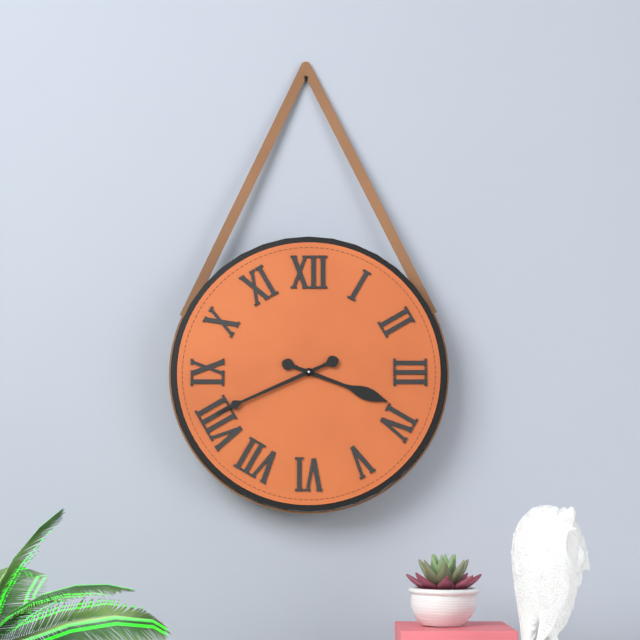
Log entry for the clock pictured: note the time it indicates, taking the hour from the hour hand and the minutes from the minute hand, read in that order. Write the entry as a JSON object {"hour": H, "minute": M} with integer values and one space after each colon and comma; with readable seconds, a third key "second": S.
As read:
{"hour": 3, "minute": 41}
